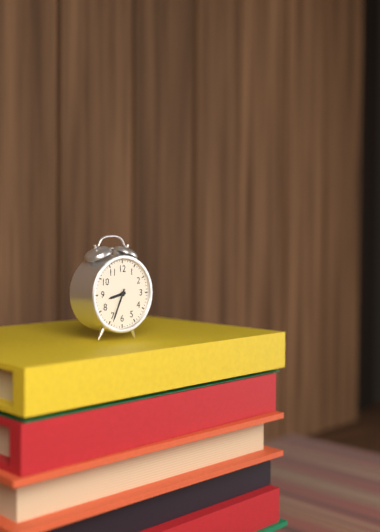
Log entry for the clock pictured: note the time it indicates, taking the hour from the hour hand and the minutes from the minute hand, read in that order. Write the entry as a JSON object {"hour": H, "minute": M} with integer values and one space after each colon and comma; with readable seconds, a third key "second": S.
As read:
{"hour": 8, "minute": 34}
